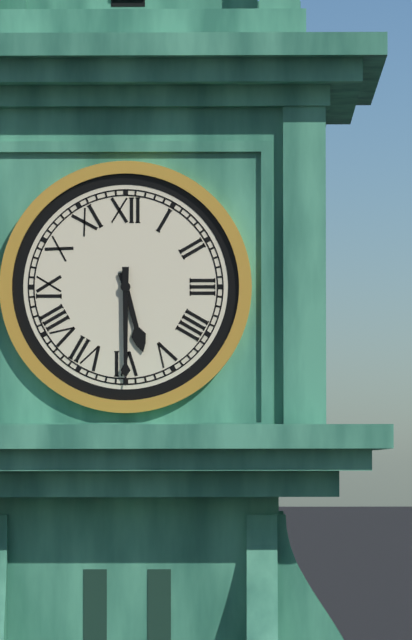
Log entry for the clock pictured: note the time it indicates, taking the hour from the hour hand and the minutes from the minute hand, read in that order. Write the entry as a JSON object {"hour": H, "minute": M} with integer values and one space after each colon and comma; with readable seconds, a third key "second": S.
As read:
{"hour": 5, "minute": 30}
